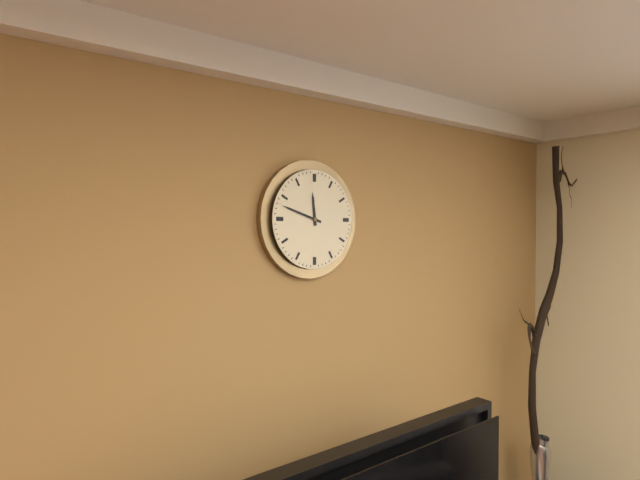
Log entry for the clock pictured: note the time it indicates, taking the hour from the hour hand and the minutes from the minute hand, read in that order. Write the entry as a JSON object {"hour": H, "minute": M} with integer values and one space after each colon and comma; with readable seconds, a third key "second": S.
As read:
{"hour": 11, "minute": 48}
